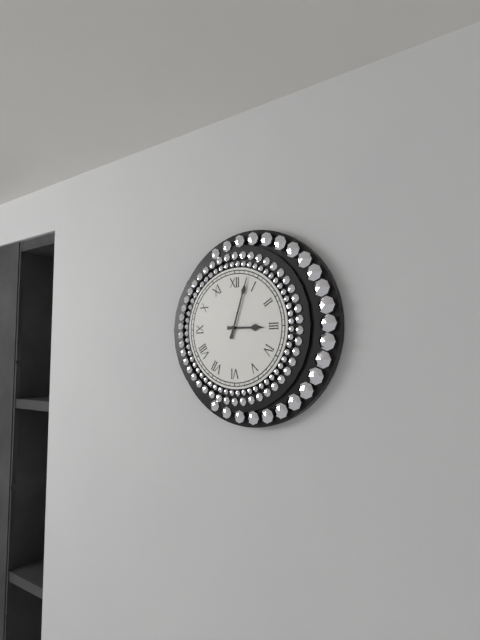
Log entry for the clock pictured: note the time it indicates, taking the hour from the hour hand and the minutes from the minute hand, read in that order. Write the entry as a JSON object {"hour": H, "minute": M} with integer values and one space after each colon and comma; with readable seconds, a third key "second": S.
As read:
{"hour": 3, "minute": 3}
